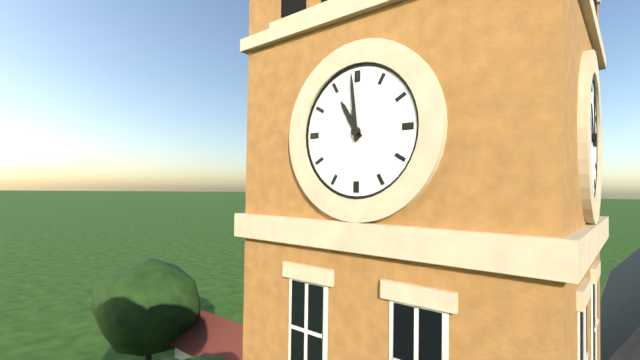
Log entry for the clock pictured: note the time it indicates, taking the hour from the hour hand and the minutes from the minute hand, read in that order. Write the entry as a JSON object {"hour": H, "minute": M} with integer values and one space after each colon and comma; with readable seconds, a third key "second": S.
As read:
{"hour": 10, "minute": 59}
